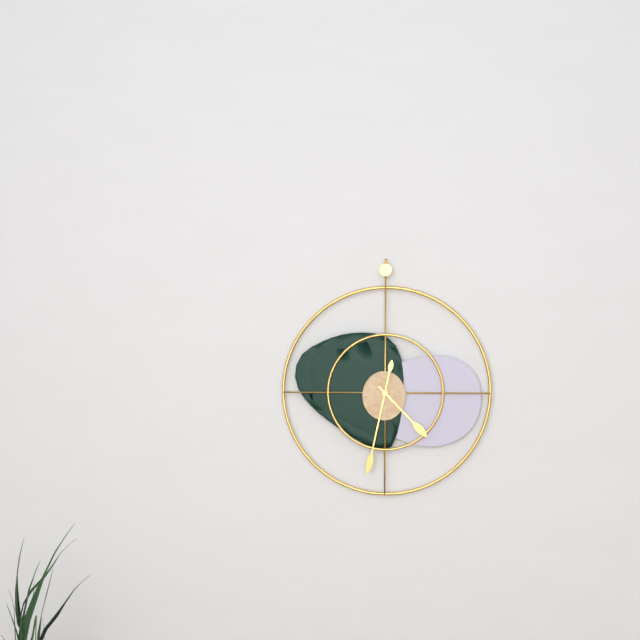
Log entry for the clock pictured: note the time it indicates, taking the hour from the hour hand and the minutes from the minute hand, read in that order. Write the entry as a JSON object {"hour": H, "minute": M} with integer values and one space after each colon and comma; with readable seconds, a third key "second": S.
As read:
{"hour": 4, "minute": 32}
